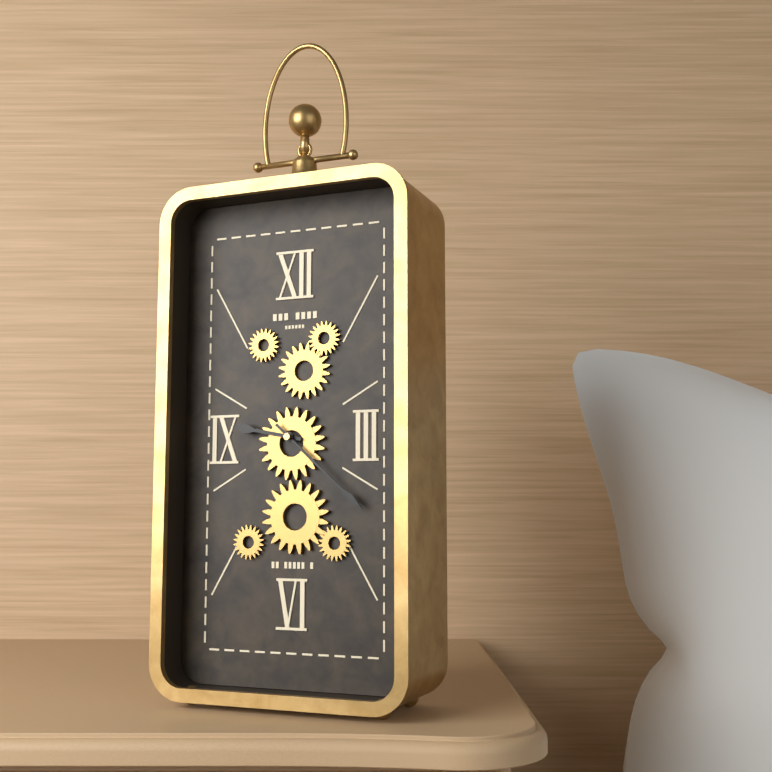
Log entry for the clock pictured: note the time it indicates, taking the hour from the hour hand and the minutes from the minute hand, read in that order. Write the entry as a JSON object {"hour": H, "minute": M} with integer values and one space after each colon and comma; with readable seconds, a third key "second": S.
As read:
{"hour": 9, "minute": 22}
